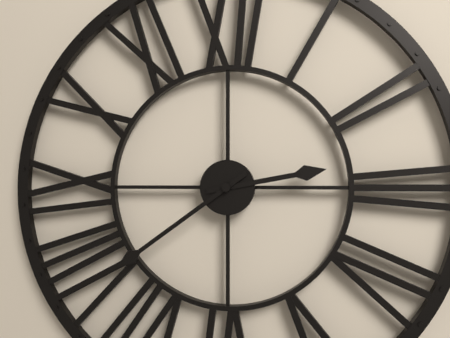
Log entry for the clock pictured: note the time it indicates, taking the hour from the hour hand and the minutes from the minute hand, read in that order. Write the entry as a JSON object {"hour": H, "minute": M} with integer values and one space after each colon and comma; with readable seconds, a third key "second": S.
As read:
{"hour": 2, "minute": 39}
